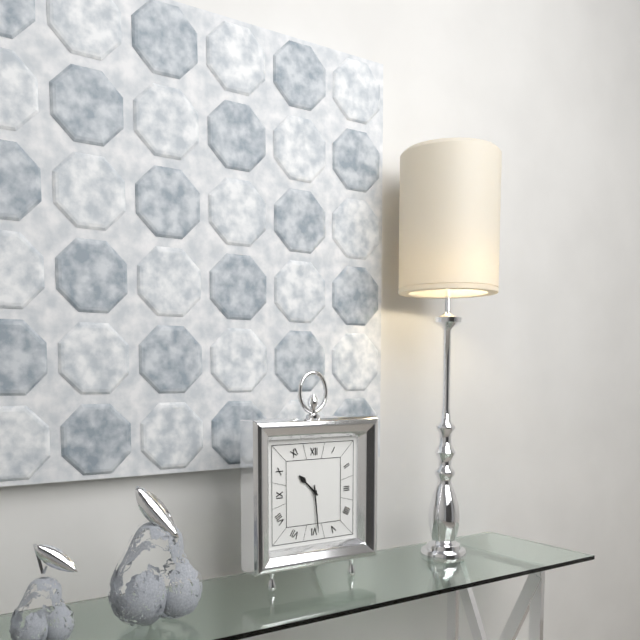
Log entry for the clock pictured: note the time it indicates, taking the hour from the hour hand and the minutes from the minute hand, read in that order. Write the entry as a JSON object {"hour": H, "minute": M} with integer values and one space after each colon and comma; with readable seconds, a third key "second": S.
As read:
{"hour": 10, "minute": 29}
